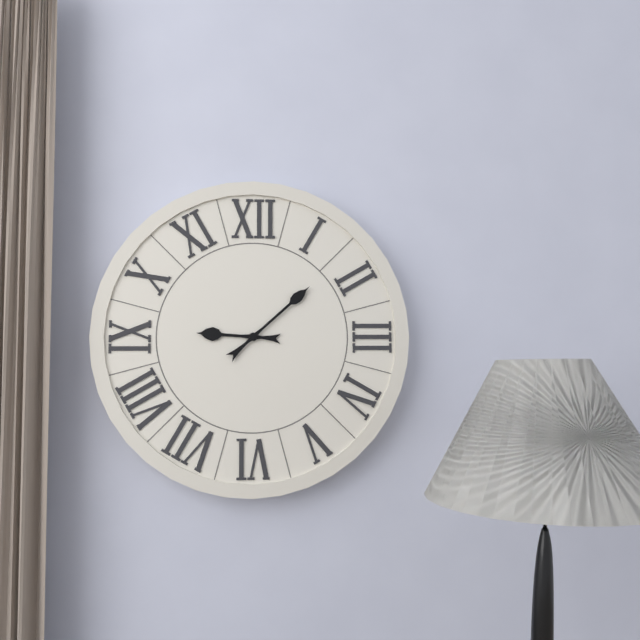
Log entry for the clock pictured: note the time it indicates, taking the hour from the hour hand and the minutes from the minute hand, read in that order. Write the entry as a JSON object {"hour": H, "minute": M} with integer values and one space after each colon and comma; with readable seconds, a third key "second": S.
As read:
{"hour": 9, "minute": 8}
